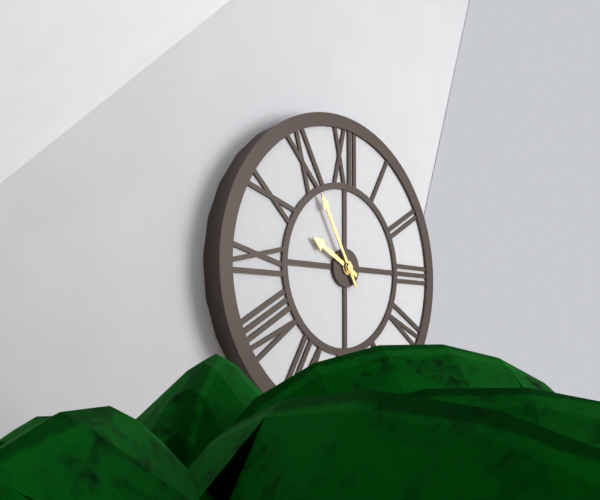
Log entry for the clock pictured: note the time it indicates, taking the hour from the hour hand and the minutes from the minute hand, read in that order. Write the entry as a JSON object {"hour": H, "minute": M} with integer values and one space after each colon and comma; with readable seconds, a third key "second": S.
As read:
{"hour": 9, "minute": 55}
